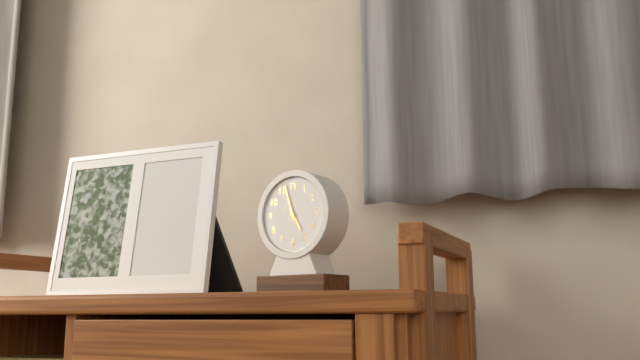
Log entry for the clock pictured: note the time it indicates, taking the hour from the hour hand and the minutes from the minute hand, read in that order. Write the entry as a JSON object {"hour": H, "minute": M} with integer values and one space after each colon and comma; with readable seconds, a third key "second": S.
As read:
{"hour": 4, "minute": 57}
